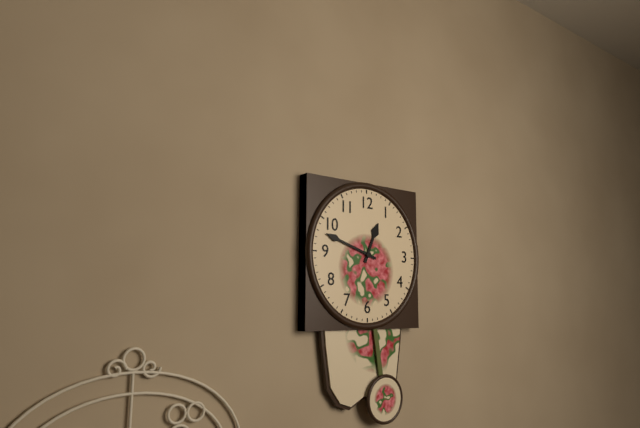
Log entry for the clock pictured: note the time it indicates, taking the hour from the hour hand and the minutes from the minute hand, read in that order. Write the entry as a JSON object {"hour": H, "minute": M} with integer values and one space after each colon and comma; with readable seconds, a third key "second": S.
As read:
{"hour": 12, "minute": 48}
